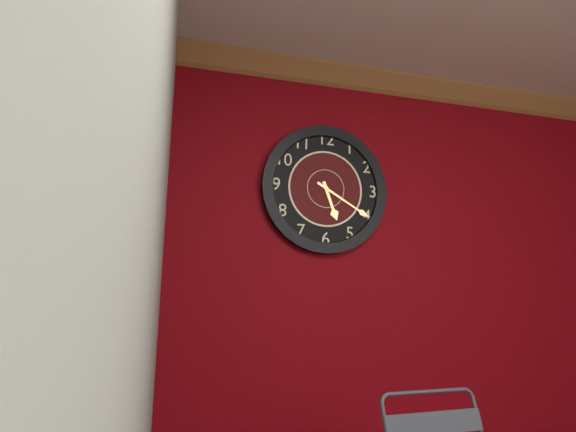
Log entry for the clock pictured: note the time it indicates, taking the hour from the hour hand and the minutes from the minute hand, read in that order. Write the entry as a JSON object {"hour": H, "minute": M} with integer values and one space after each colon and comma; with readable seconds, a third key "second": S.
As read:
{"hour": 5, "minute": 20}
